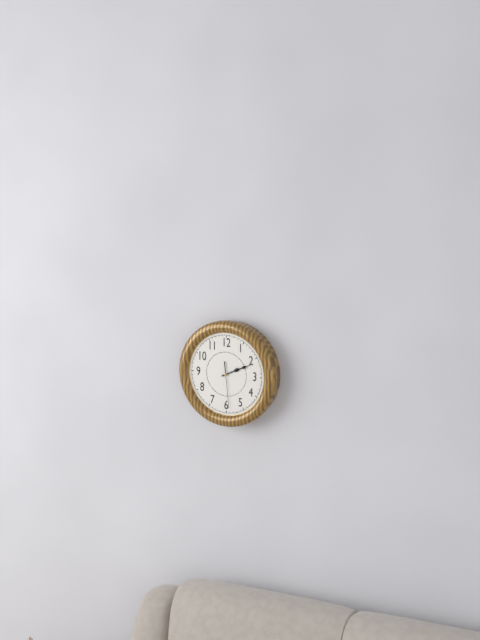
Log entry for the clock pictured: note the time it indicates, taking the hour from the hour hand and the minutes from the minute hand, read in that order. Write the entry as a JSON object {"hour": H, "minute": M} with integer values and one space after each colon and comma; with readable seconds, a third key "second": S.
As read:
{"hour": 2, "minute": 11}
